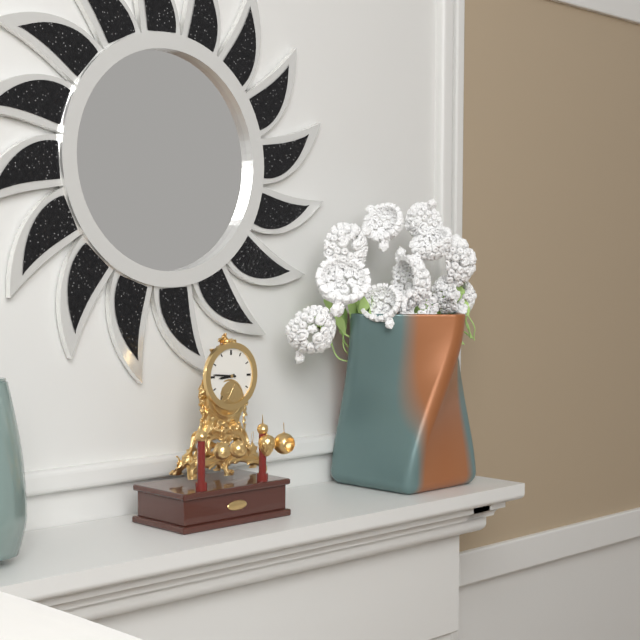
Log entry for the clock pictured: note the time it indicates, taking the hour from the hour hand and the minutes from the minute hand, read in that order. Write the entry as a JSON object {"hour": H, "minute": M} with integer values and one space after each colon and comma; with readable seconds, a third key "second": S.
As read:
{"hour": 8, "minute": 46}
